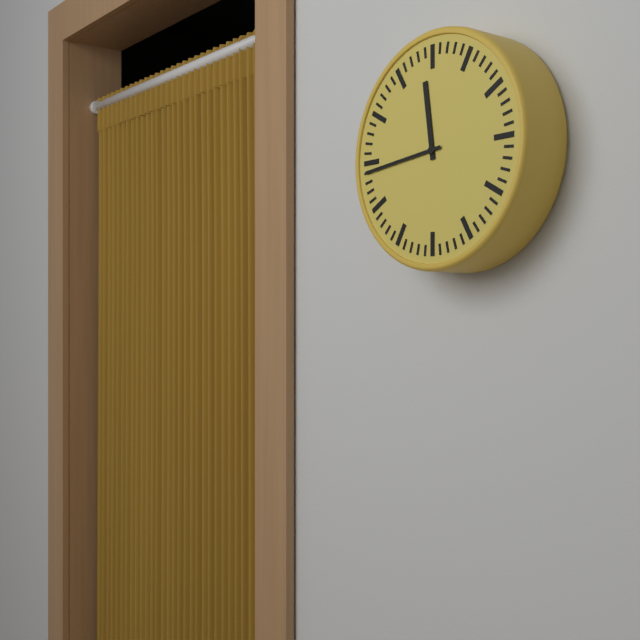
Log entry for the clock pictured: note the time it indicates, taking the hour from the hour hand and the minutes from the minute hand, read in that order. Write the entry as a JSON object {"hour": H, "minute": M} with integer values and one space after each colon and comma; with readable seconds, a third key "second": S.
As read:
{"hour": 11, "minute": 44}
